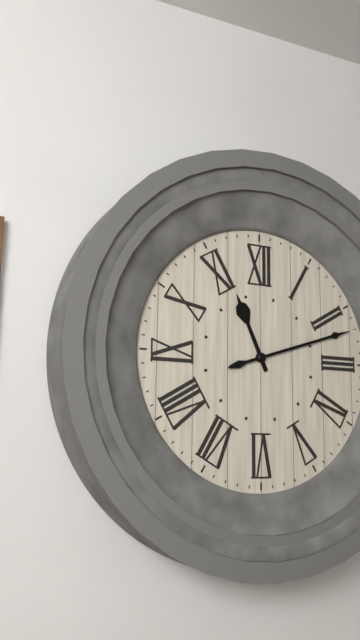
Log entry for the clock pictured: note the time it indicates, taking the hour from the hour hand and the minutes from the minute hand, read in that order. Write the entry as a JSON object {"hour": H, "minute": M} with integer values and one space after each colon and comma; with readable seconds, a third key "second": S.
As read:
{"hour": 11, "minute": 12}
